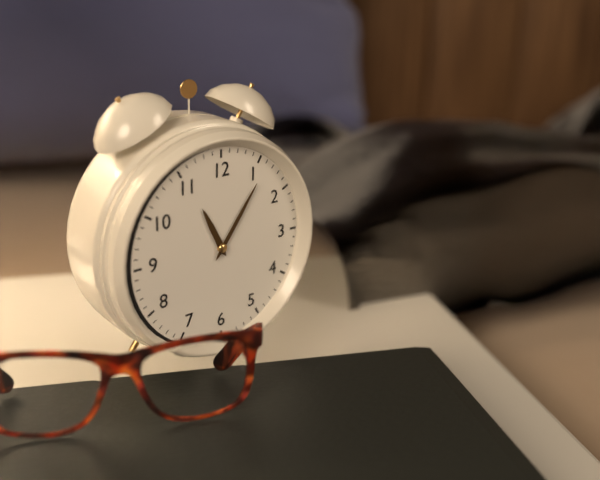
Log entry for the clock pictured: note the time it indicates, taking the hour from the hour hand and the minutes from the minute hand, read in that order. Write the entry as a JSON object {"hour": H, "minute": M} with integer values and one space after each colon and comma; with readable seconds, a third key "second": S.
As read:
{"hour": 11, "minute": 6}
